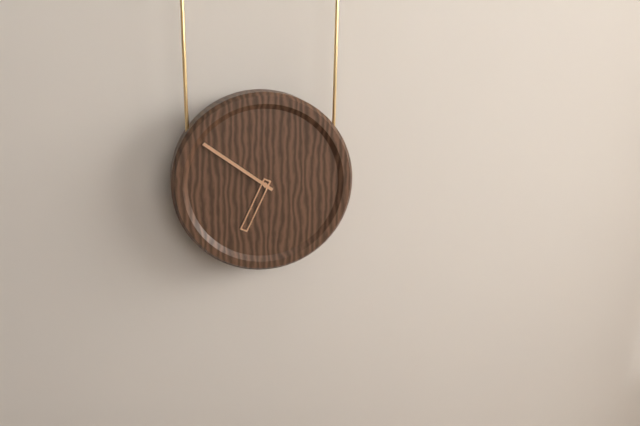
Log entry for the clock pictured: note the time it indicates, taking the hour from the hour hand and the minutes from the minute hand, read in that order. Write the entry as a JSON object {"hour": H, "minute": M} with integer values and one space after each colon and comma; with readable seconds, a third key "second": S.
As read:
{"hour": 6, "minute": 51}
